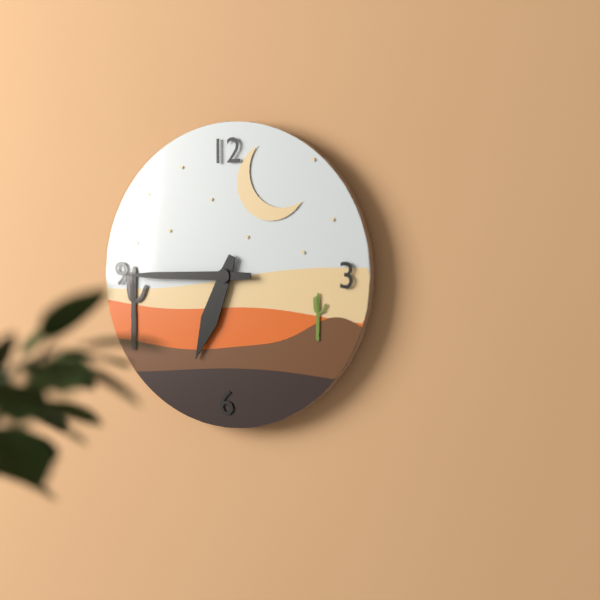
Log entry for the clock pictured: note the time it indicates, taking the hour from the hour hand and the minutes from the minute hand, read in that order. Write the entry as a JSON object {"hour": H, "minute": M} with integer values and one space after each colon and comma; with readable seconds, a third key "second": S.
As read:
{"hour": 6, "minute": 45}
